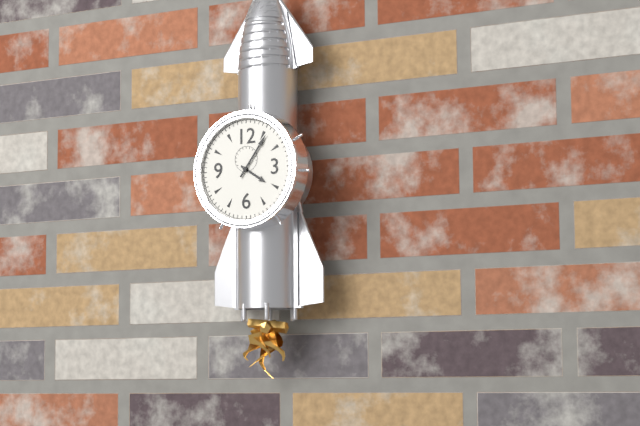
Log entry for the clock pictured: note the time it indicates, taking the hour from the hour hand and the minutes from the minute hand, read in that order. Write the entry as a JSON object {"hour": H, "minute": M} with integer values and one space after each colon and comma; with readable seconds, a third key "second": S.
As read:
{"hour": 4, "minute": 6}
